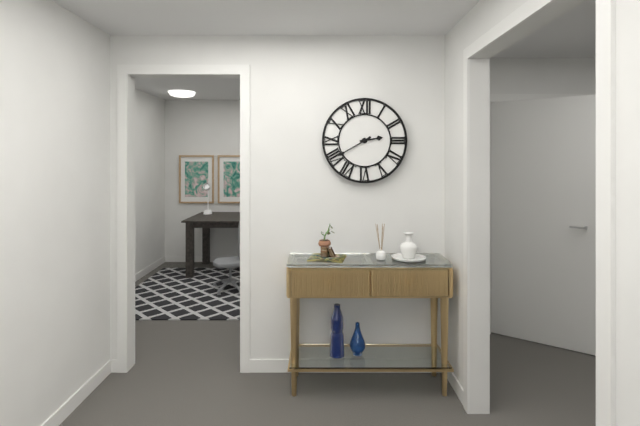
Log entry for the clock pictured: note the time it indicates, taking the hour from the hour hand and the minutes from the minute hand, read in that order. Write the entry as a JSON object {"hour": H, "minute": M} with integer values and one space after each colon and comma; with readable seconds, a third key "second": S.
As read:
{"hour": 2, "minute": 40}
